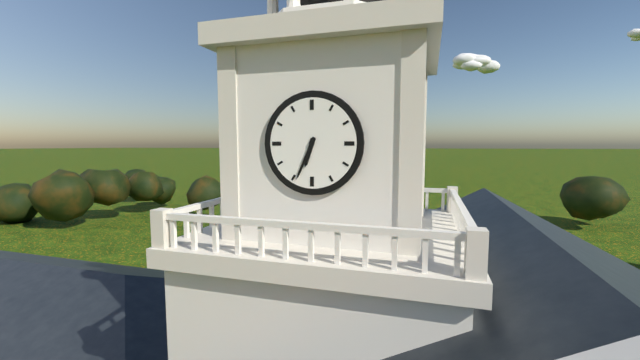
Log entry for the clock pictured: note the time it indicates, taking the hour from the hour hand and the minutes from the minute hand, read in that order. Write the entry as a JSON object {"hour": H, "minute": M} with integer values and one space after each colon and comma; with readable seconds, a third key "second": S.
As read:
{"hour": 6, "minute": 34}
